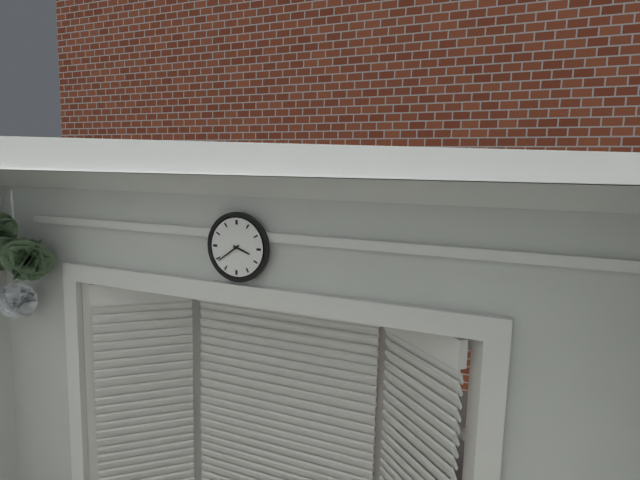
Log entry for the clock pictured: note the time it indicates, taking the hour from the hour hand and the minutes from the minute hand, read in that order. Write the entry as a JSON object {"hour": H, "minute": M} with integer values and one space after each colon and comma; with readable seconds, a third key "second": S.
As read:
{"hour": 3, "minute": 39}
